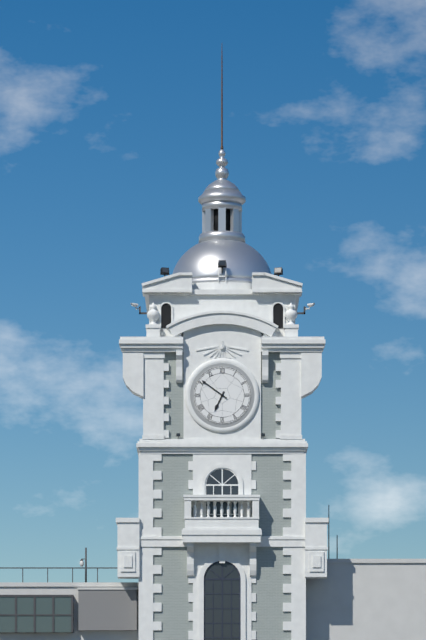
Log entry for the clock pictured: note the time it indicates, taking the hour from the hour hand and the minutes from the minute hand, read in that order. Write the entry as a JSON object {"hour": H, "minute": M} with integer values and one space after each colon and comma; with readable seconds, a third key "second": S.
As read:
{"hour": 6, "minute": 51}
